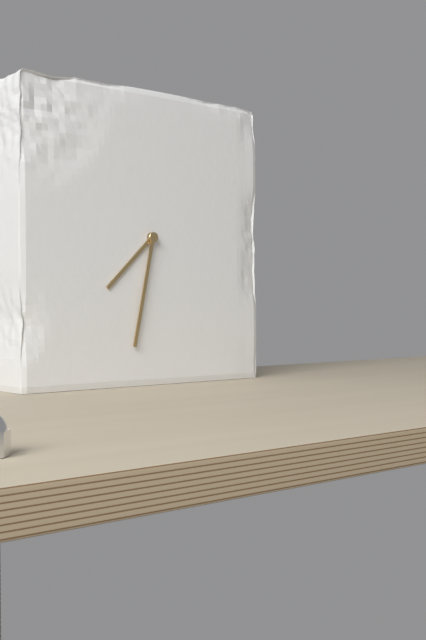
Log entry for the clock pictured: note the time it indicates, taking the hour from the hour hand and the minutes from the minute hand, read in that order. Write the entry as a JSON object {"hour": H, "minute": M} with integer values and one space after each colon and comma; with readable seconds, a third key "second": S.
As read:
{"hour": 7, "minute": 32}
